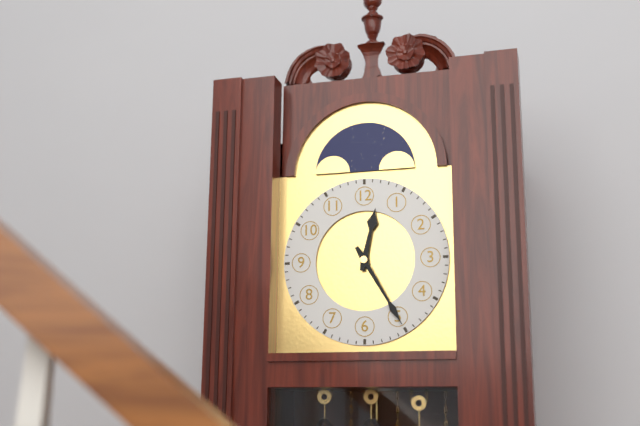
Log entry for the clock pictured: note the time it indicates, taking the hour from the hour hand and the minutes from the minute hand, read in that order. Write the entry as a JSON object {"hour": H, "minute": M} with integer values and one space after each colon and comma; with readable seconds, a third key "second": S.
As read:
{"hour": 12, "minute": 25}
